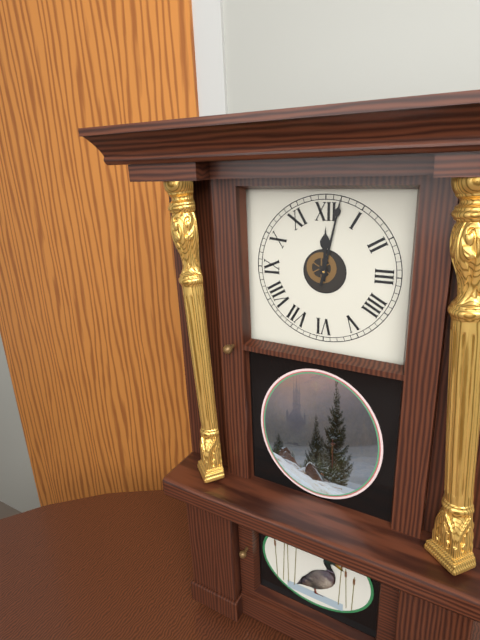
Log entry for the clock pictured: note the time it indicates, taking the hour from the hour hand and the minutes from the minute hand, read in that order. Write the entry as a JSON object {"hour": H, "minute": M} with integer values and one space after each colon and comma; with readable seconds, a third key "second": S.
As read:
{"hour": 12, "minute": 2}
